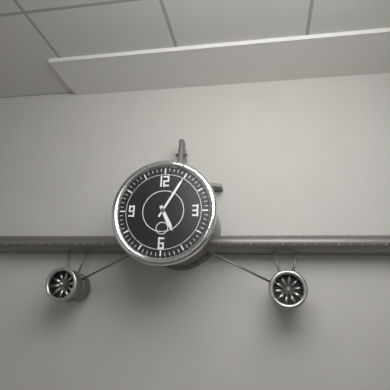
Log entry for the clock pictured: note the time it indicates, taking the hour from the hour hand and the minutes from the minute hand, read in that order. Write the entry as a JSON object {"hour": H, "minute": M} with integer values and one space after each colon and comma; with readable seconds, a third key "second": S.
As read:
{"hour": 5, "minute": 5}
